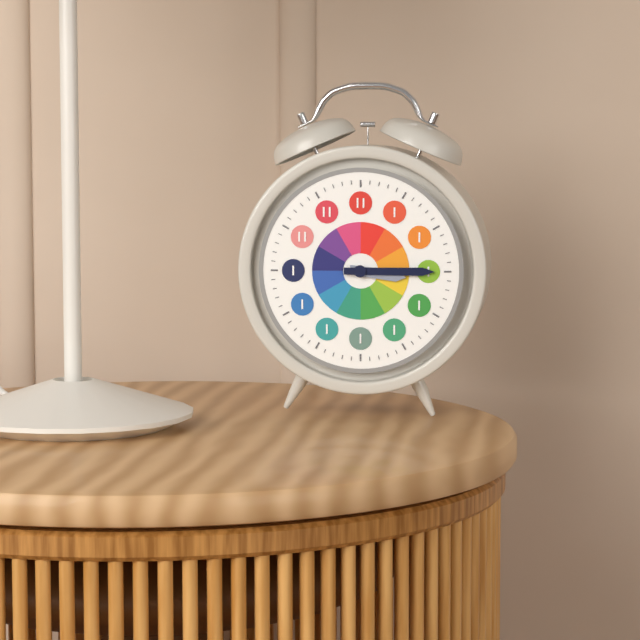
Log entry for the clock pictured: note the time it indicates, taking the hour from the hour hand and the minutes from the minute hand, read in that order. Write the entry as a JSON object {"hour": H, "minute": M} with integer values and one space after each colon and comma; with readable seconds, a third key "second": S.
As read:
{"hour": 3, "minute": 15}
